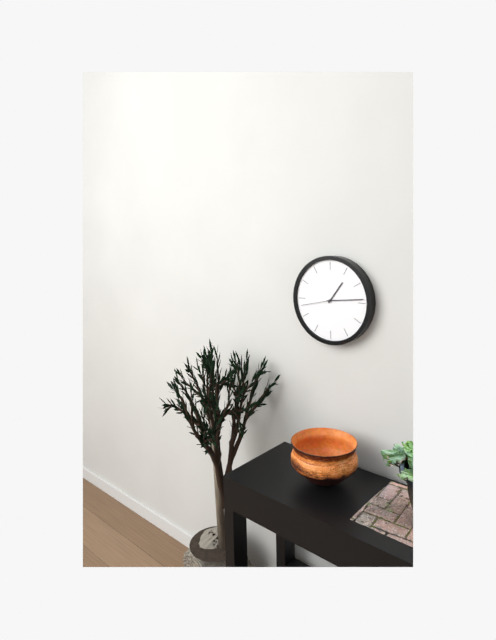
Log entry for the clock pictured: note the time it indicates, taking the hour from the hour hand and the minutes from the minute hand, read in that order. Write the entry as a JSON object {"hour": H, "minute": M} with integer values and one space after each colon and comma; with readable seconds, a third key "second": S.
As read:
{"hour": 1, "minute": 14}
